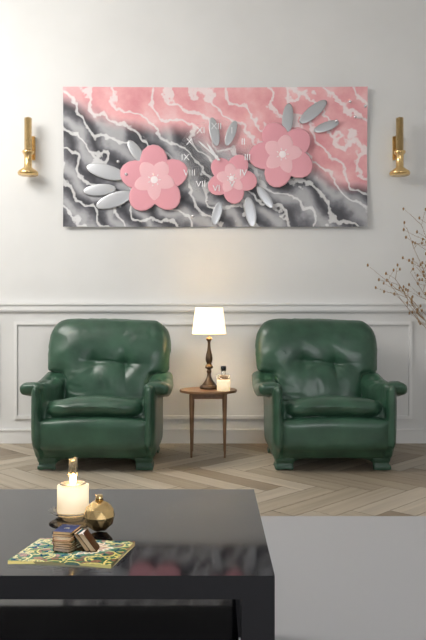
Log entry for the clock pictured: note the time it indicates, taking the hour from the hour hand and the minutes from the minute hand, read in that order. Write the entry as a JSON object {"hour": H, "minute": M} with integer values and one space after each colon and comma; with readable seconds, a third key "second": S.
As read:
{"hour": 10, "minute": 52}
